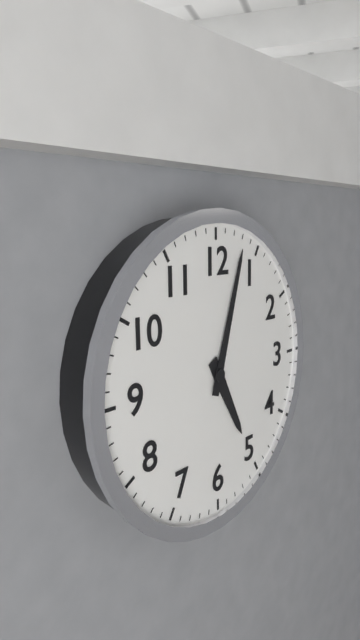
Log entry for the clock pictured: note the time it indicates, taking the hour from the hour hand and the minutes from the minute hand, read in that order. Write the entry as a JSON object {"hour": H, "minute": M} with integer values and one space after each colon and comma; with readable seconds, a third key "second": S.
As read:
{"hour": 5, "minute": 3}
